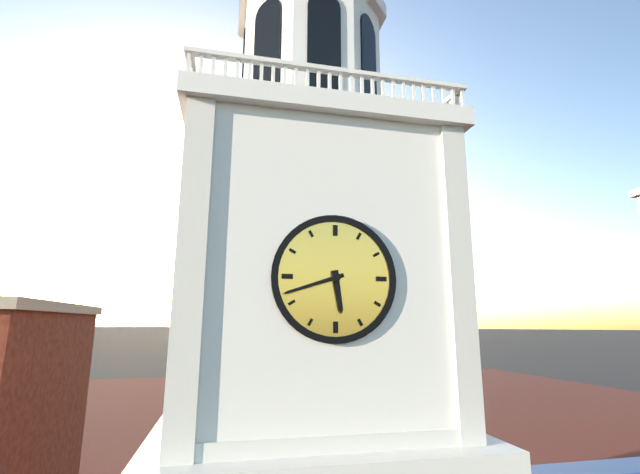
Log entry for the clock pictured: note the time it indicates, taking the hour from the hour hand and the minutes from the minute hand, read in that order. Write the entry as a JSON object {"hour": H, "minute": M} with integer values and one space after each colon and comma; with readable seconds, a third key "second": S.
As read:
{"hour": 5, "minute": 42}
